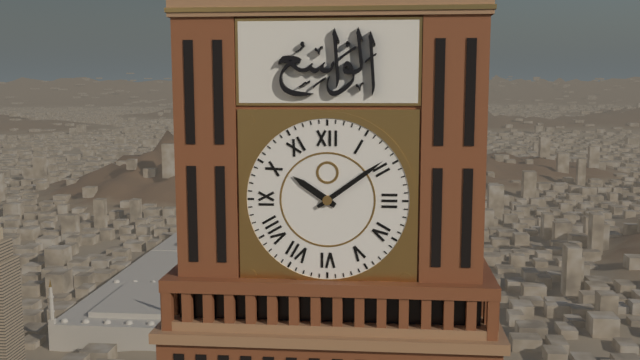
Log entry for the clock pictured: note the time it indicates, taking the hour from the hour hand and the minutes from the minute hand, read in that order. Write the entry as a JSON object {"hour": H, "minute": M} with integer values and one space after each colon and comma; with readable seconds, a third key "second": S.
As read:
{"hour": 10, "minute": 9}
